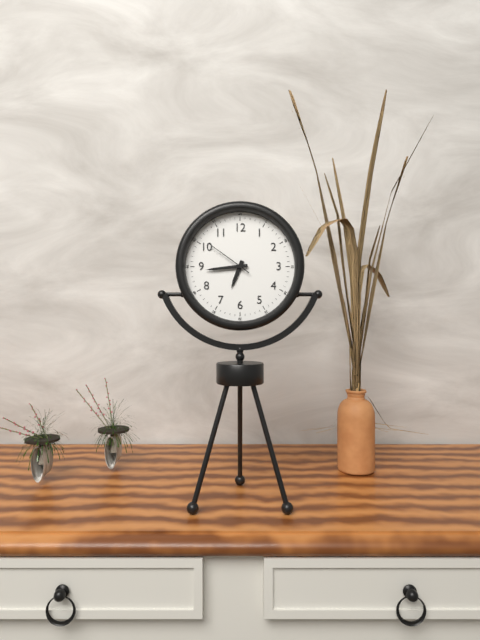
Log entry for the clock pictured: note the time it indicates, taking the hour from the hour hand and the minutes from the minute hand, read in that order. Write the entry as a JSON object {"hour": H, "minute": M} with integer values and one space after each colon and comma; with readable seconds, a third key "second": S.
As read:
{"hour": 6, "minute": 44}
